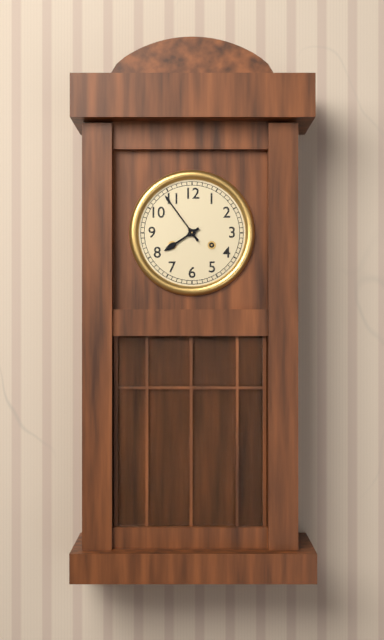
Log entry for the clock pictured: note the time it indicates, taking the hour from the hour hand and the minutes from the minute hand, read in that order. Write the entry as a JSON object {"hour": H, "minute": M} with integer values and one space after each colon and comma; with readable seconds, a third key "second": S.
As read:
{"hour": 7, "minute": 54}
